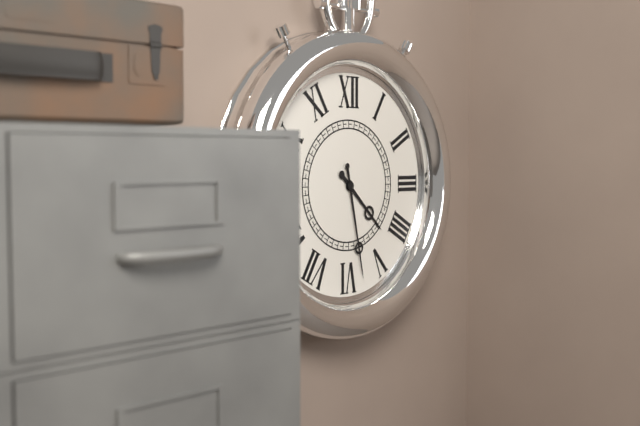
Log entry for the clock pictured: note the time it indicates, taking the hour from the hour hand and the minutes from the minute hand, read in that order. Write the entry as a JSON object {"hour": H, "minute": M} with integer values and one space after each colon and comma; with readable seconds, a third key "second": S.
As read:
{"hour": 4, "minute": 28}
